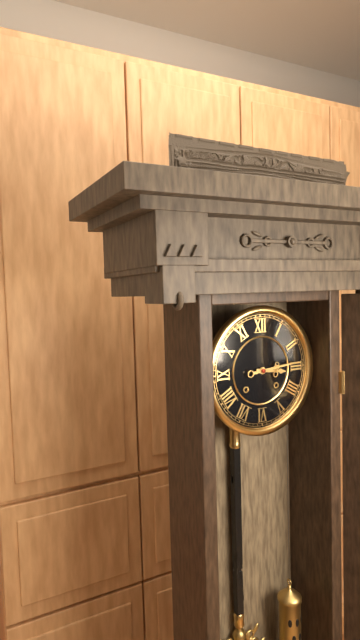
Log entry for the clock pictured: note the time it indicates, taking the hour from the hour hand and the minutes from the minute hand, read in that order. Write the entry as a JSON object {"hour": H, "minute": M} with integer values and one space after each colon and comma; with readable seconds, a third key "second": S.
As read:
{"hour": 3, "minute": 14}
